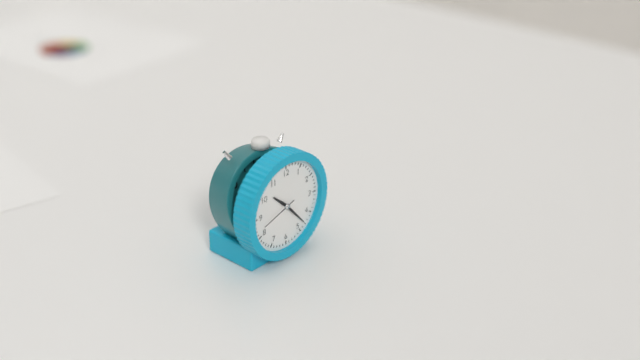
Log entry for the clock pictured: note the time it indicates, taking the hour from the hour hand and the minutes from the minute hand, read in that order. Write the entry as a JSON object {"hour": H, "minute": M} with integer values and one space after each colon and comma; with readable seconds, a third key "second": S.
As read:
{"hour": 10, "minute": 23}
